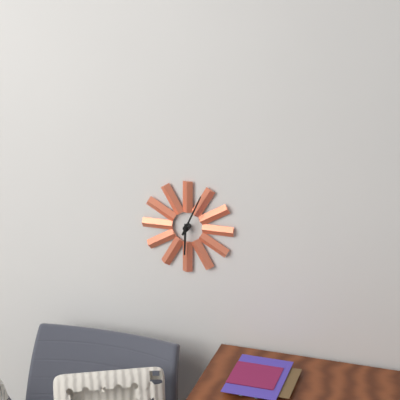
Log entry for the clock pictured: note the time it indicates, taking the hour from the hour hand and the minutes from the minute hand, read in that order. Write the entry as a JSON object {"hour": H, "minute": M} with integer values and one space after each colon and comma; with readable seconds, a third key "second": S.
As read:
{"hour": 6, "minute": 4}
